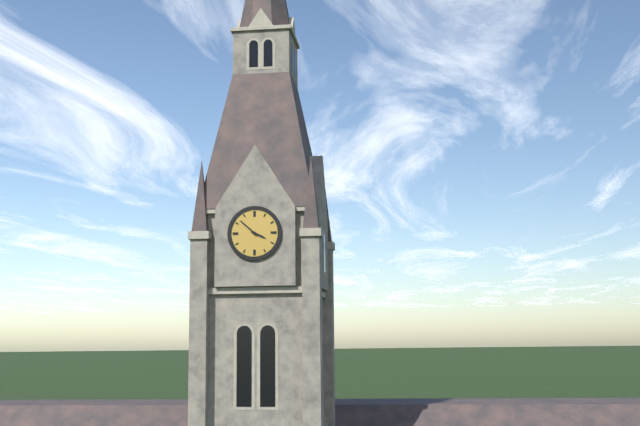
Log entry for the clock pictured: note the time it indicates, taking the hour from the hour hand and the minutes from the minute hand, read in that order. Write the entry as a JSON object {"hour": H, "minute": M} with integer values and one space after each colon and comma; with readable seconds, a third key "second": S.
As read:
{"hour": 3, "minute": 52}
